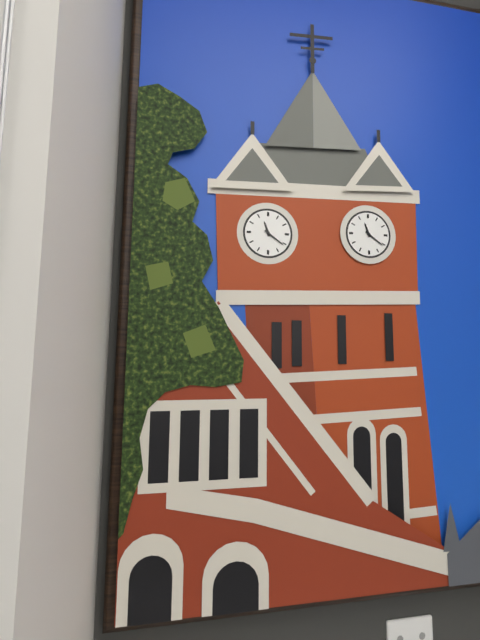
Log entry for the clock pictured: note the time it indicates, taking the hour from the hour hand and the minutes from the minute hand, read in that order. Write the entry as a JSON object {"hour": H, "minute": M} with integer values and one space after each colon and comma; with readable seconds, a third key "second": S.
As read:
{"hour": 11, "minute": 21}
